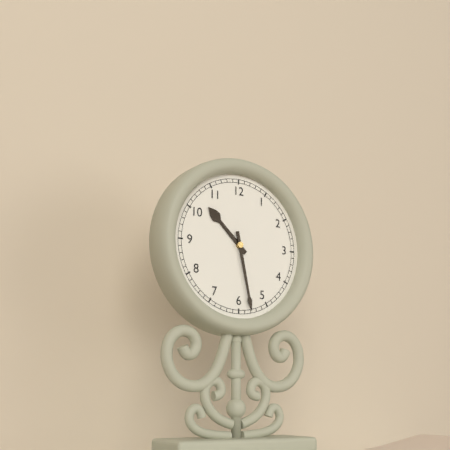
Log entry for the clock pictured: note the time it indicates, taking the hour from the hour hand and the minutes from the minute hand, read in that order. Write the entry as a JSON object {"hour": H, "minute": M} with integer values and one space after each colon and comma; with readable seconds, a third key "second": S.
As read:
{"hour": 10, "minute": 28}
